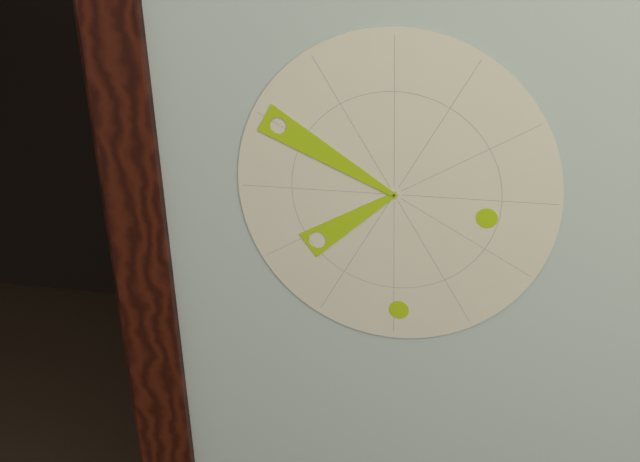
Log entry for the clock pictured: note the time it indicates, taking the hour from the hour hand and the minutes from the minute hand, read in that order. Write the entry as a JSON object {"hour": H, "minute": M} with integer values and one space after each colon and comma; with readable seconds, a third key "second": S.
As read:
{"hour": 7, "minute": 50}
